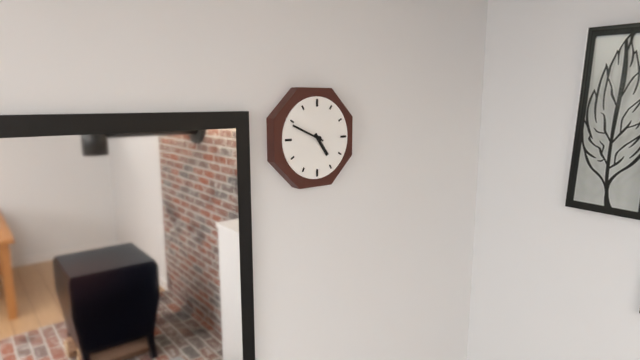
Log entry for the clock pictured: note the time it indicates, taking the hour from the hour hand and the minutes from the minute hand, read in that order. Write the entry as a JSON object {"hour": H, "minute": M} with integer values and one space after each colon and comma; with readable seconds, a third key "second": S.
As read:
{"hour": 4, "minute": 49}
